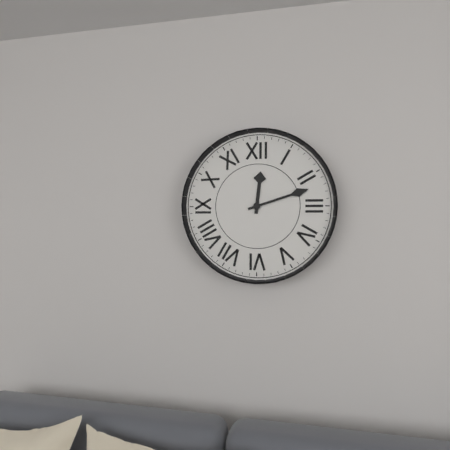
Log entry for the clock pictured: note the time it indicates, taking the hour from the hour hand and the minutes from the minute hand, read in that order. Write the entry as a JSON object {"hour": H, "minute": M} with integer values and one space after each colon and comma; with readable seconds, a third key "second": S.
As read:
{"hour": 12, "minute": 12}
